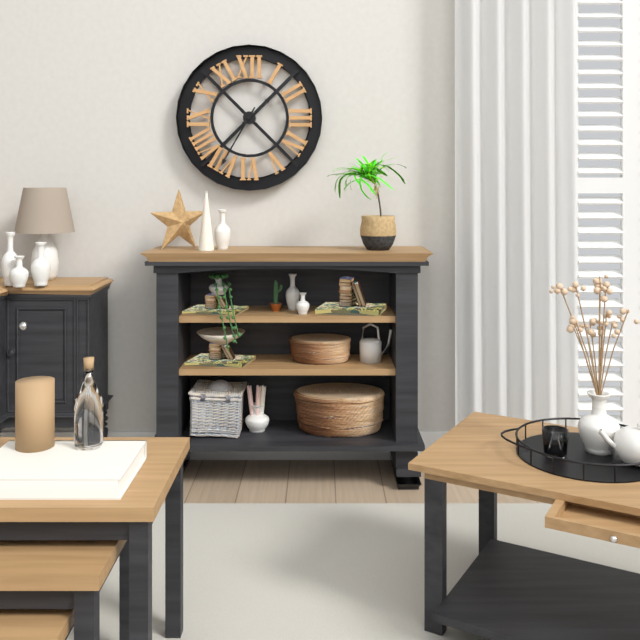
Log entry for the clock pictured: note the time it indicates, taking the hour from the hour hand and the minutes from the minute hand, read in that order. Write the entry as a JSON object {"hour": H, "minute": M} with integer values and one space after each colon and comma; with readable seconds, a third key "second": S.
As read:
{"hour": 1, "minute": 35}
